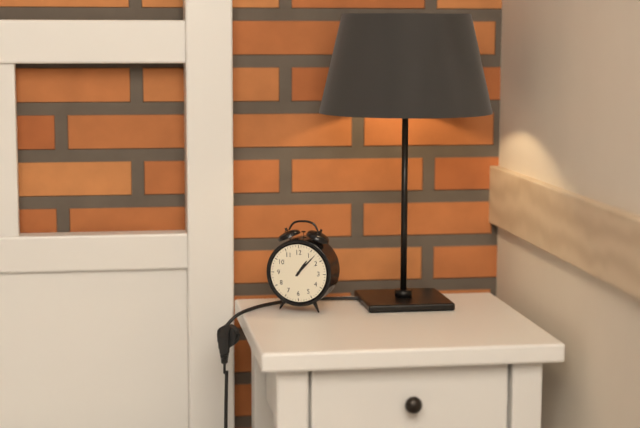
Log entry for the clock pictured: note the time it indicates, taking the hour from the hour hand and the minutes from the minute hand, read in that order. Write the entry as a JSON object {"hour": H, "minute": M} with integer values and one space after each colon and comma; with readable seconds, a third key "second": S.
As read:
{"hour": 1, "minute": 7}
